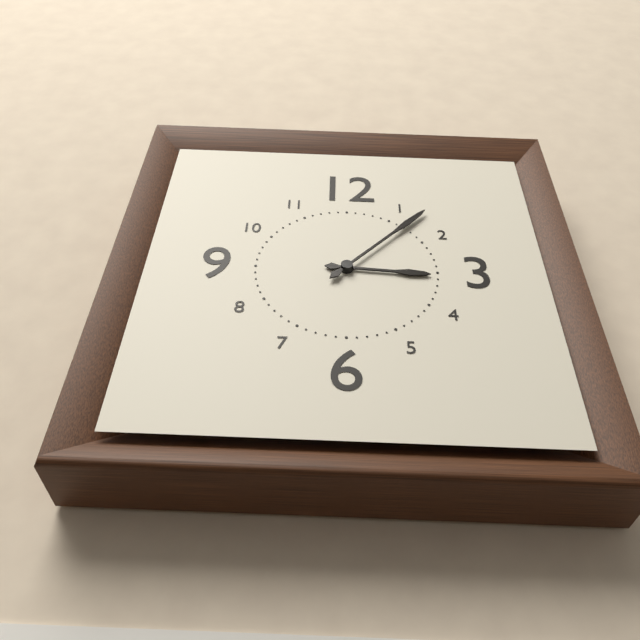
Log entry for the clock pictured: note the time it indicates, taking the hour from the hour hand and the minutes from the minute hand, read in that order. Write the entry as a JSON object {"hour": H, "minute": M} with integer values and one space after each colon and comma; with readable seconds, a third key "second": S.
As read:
{"hour": 3, "minute": 7}
